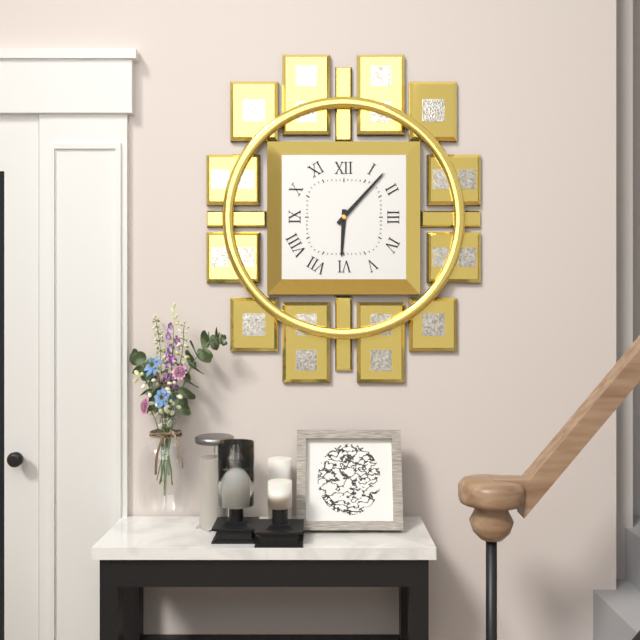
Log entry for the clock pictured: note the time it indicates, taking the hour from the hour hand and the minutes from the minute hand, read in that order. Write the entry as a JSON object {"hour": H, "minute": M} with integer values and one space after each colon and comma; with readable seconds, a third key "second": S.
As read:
{"hour": 6, "minute": 7}
